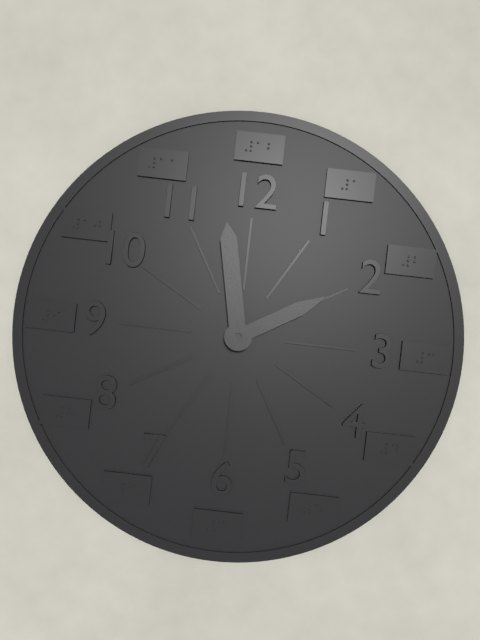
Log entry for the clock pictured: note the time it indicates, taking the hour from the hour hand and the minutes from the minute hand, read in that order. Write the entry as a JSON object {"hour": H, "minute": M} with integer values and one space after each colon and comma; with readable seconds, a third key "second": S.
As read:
{"hour": 1, "minute": 58}
